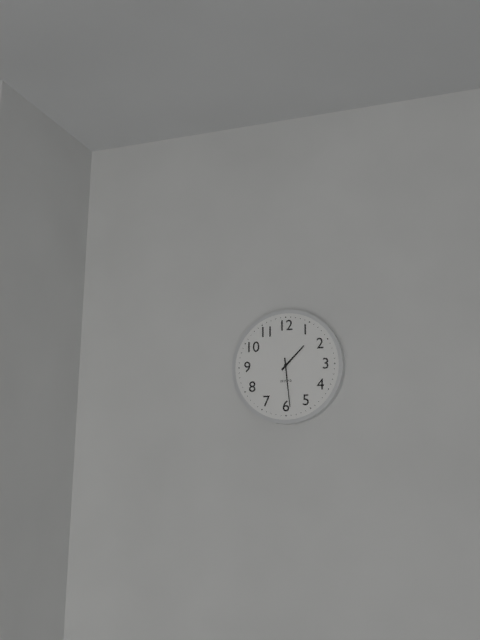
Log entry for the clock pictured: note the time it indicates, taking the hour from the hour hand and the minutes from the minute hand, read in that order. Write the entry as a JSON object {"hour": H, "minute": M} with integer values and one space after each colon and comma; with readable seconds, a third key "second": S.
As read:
{"hour": 1, "minute": 29}
